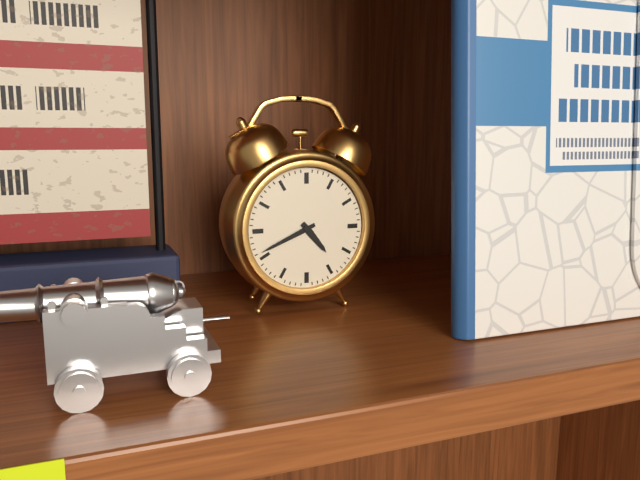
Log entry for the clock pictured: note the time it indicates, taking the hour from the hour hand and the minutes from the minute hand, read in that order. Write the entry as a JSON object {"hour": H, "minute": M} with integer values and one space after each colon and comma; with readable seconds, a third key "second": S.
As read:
{"hour": 4, "minute": 41}
